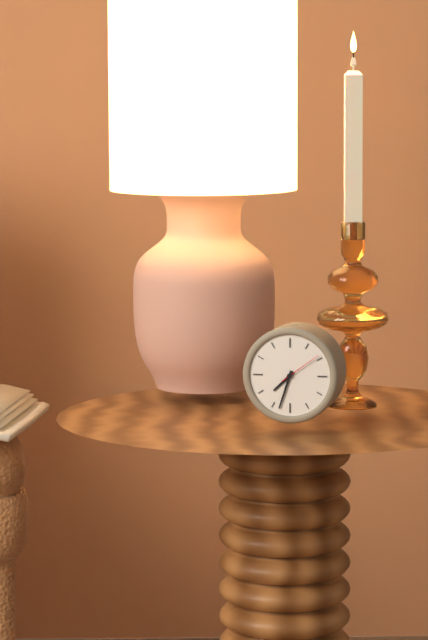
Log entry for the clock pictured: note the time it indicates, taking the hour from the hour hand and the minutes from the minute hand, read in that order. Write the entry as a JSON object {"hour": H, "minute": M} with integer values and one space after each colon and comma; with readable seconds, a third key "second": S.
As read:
{"hour": 7, "minute": 33}
